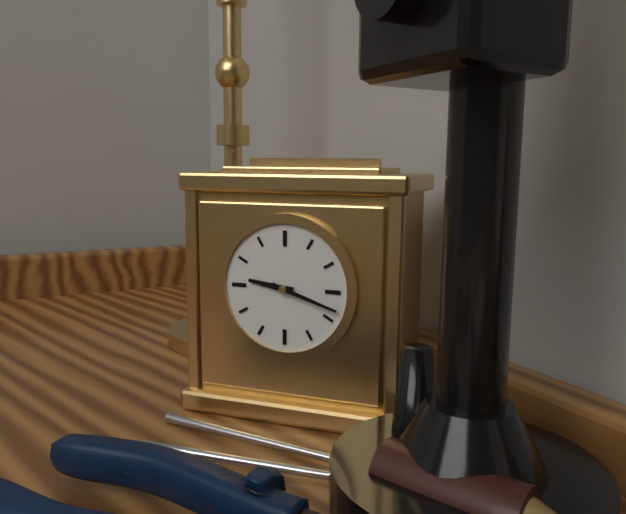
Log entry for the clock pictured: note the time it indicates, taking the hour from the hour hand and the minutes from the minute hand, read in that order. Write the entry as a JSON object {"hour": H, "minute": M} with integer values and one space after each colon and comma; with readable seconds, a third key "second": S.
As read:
{"hour": 9, "minute": 18}
